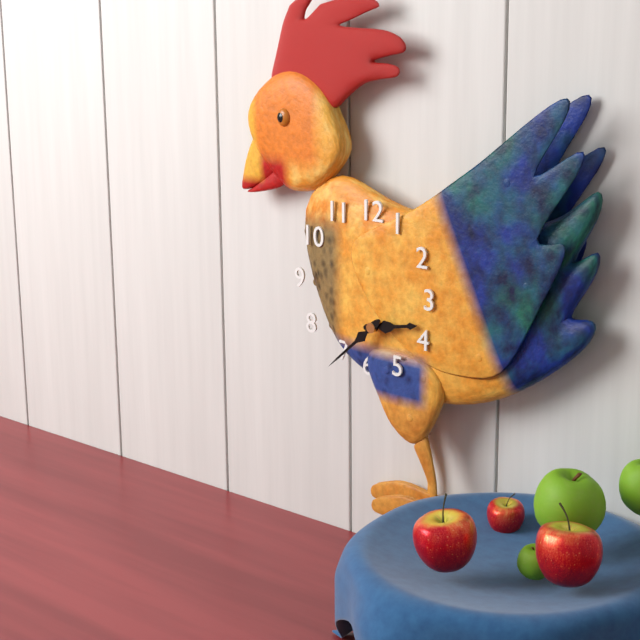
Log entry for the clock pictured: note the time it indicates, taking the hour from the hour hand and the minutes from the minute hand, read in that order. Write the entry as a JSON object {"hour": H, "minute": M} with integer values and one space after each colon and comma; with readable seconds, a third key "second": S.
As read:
{"hour": 2, "minute": 38}
